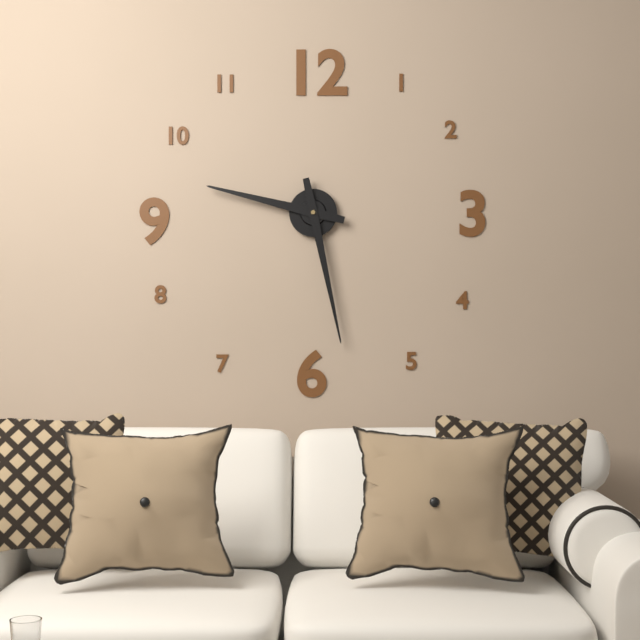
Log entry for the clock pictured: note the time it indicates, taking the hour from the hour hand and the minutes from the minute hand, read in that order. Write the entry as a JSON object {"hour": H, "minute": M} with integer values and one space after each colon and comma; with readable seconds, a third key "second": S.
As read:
{"hour": 9, "minute": 28}
